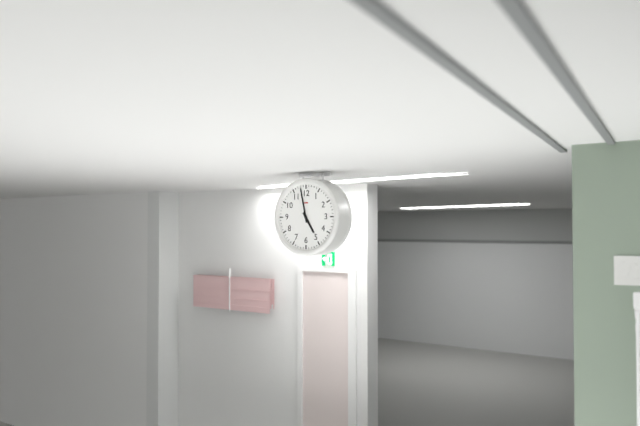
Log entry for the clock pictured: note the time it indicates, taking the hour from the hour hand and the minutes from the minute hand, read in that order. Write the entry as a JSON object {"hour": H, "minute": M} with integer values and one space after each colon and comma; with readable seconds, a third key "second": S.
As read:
{"hour": 4, "minute": 58}
